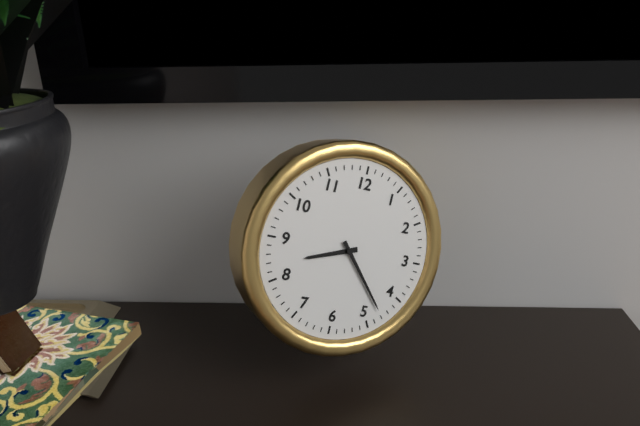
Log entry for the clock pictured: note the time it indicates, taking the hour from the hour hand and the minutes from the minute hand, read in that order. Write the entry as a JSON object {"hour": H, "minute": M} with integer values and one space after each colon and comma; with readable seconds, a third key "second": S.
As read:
{"hour": 8, "minute": 23}
